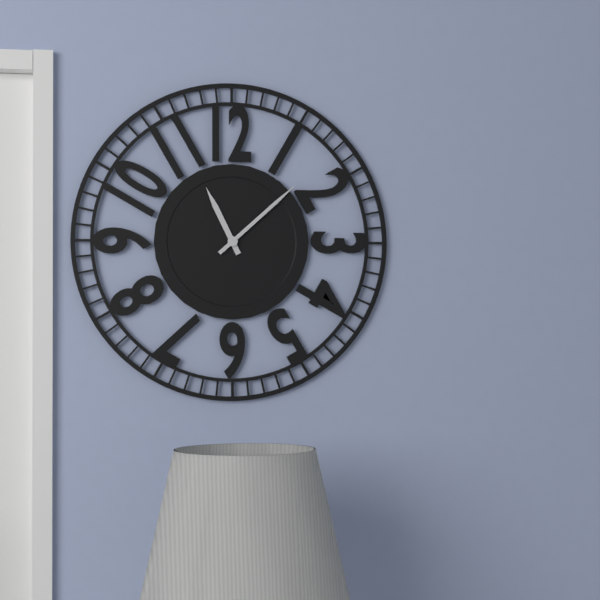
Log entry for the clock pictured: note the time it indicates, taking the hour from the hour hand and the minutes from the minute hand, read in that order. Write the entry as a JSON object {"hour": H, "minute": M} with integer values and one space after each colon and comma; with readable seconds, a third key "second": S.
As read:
{"hour": 11, "minute": 8}
